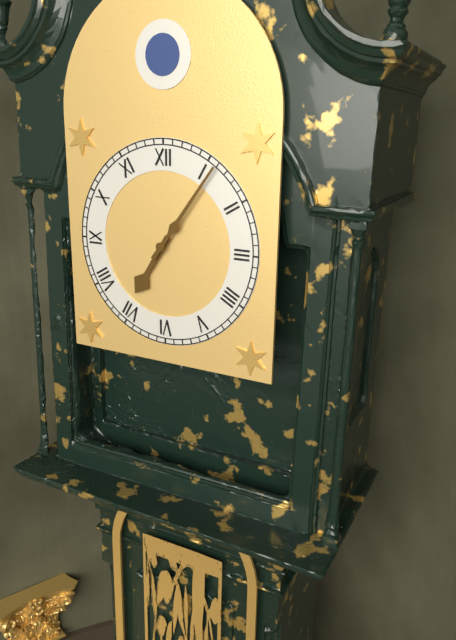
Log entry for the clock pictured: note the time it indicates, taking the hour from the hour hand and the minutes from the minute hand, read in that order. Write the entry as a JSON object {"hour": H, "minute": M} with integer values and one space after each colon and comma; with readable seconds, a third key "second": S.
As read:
{"hour": 7, "minute": 6}
